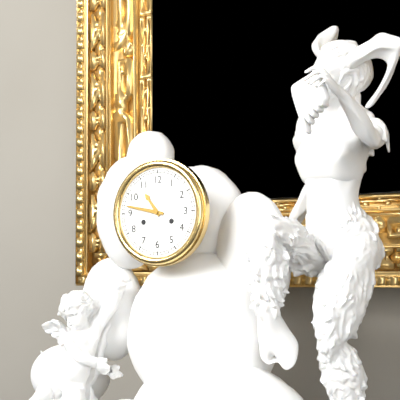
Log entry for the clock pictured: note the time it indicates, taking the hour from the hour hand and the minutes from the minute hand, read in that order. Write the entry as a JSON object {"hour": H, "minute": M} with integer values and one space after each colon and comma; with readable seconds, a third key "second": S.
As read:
{"hour": 10, "minute": 47}
